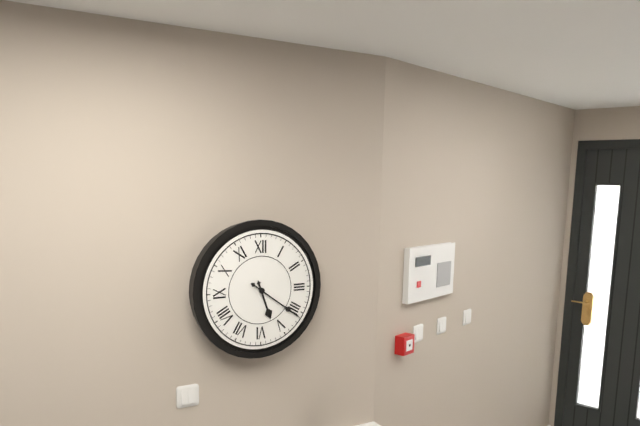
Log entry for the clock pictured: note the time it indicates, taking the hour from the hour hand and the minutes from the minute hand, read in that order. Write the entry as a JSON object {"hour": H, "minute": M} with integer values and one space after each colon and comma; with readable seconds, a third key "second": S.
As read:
{"hour": 5, "minute": 21}
